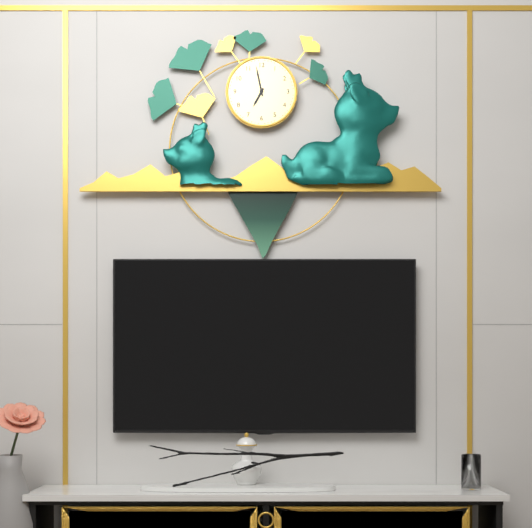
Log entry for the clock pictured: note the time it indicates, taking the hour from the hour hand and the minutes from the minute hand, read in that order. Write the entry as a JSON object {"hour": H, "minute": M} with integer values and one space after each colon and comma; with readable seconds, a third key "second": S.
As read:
{"hour": 6, "minute": 58}
